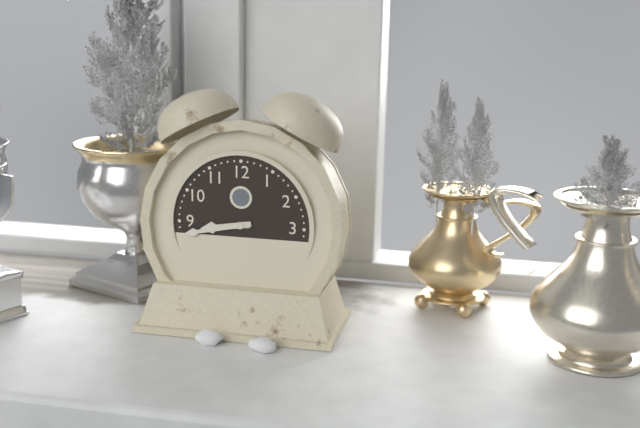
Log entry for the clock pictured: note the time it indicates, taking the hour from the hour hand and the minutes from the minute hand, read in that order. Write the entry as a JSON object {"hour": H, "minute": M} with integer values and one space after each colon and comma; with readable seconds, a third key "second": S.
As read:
{"hour": 8, "minute": 43}
